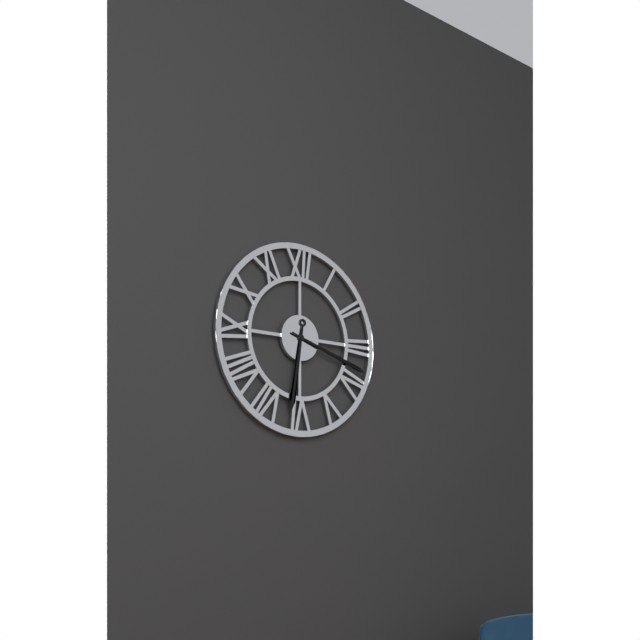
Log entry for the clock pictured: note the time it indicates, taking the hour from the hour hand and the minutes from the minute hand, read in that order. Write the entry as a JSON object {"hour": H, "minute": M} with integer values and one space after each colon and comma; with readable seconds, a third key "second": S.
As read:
{"hour": 6, "minute": 18}
